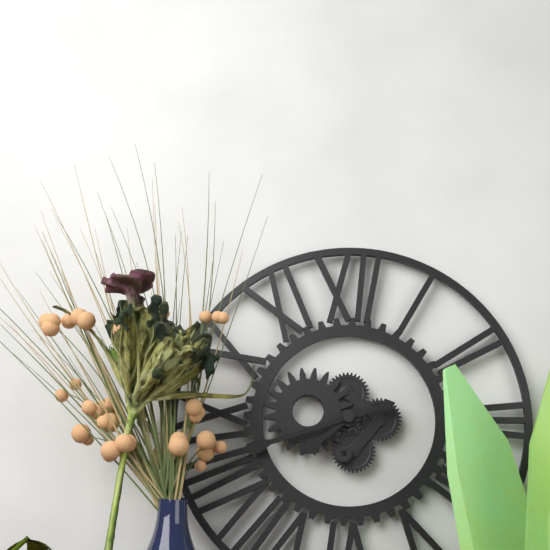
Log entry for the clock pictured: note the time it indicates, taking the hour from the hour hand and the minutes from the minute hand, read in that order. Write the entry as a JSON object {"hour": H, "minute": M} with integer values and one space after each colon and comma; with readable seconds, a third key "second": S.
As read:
{"hour": 7, "minute": 42}
